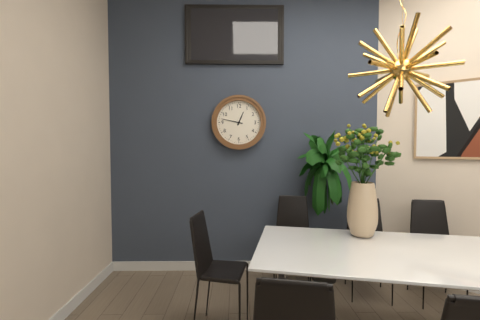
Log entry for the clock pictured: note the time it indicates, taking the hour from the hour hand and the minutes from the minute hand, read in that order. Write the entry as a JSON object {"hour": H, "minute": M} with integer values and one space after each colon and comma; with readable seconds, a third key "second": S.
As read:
{"hour": 12, "minute": 47}
